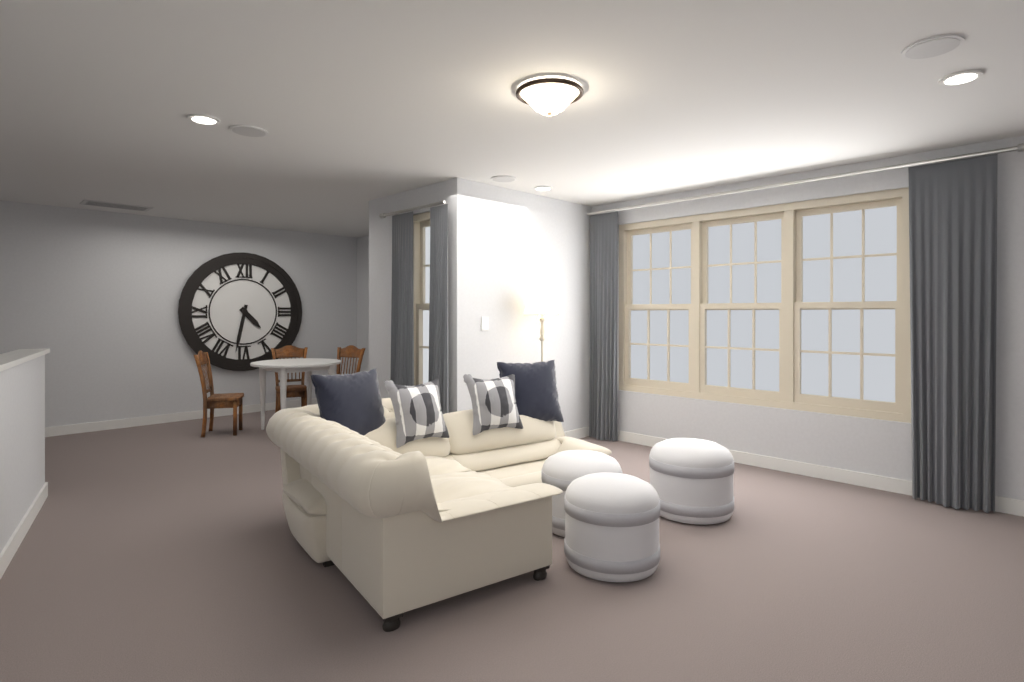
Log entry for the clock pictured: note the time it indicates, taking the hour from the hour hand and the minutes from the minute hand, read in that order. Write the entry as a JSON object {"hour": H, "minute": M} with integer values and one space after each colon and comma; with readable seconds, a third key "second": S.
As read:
{"hour": 4, "minute": 32}
